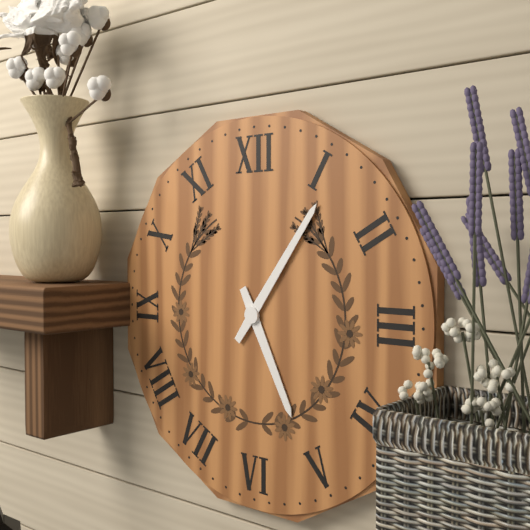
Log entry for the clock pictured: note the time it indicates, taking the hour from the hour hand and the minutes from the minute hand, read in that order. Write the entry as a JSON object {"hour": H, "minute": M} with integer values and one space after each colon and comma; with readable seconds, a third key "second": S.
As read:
{"hour": 5, "minute": 6}
